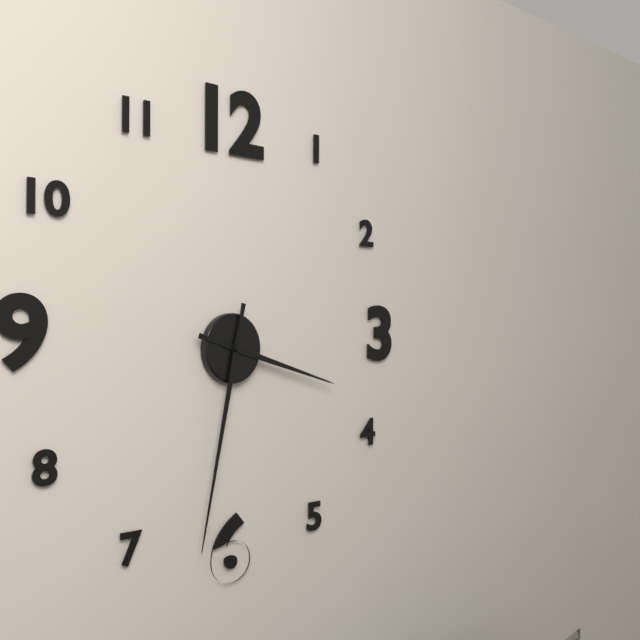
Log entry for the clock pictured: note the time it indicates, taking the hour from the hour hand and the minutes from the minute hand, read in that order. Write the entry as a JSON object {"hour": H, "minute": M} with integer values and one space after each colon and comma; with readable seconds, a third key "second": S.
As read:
{"hour": 3, "minute": 32}
